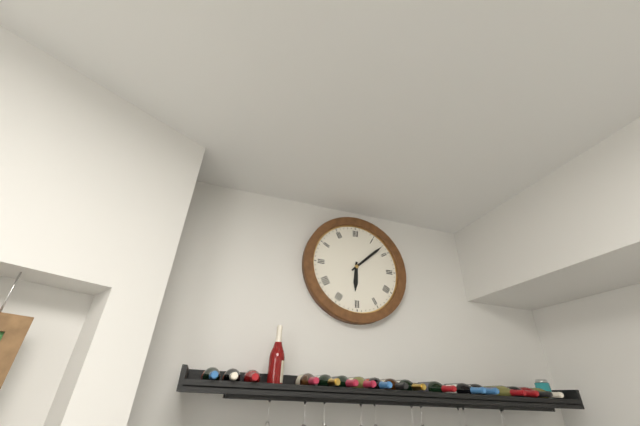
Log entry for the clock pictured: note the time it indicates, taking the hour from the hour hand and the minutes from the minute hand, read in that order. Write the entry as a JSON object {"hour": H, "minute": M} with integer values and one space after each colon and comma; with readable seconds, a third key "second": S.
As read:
{"hour": 6, "minute": 8}
